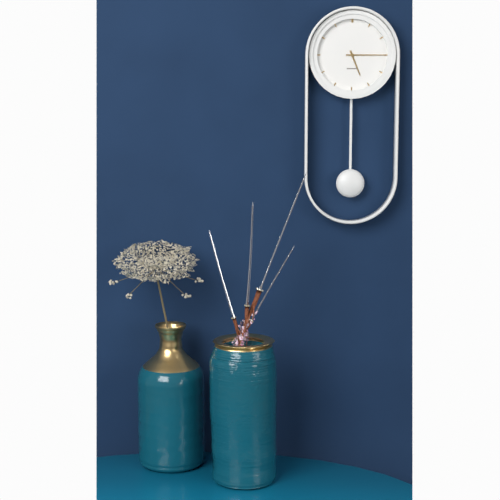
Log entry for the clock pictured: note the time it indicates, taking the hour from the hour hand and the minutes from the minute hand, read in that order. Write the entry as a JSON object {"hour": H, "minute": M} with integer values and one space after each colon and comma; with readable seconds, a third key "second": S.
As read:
{"hour": 5, "minute": 15}
